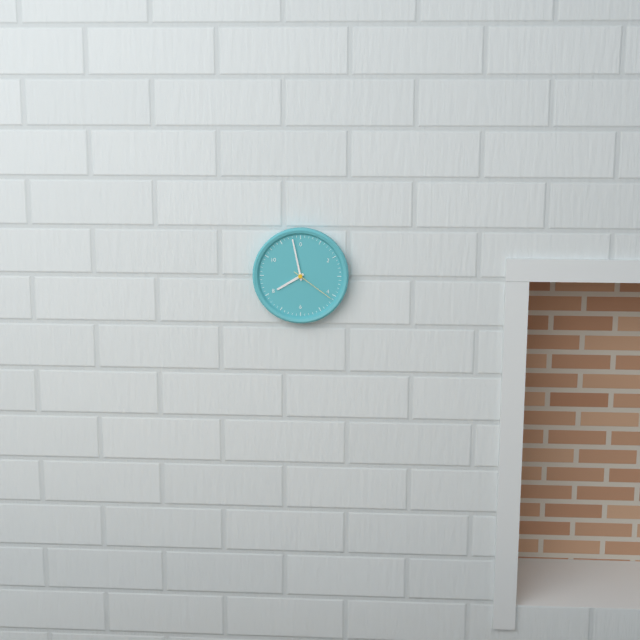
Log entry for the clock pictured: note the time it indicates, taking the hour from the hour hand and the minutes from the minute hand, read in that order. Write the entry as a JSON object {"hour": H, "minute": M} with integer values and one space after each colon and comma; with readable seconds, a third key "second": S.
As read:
{"hour": 7, "minute": 58}
